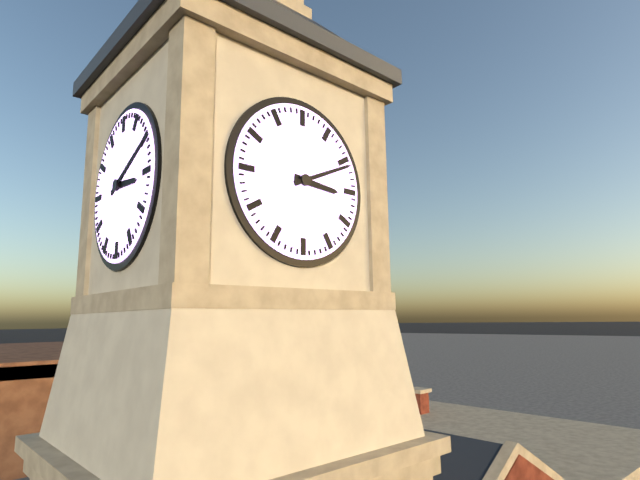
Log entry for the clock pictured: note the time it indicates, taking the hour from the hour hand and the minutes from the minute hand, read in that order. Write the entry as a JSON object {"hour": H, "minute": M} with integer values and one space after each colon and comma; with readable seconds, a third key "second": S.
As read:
{"hour": 3, "minute": 11}
